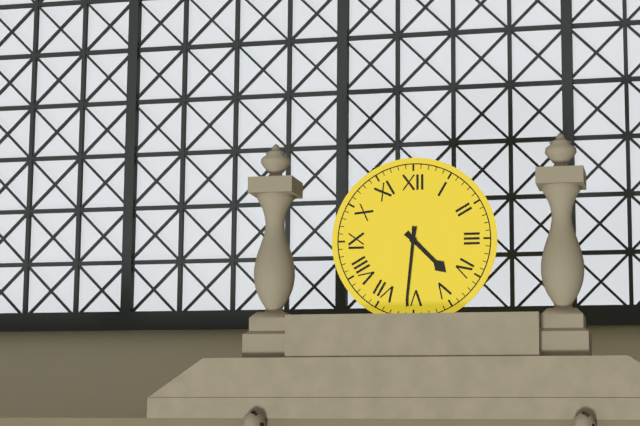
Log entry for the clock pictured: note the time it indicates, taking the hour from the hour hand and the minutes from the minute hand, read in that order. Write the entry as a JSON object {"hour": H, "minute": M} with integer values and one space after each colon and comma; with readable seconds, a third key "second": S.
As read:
{"hour": 4, "minute": 31}
